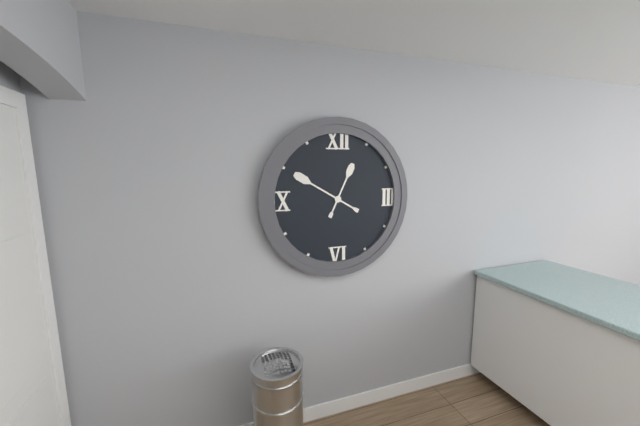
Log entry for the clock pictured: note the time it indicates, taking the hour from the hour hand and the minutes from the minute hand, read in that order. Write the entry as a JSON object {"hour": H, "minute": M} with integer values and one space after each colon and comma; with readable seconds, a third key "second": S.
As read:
{"hour": 12, "minute": 50}
